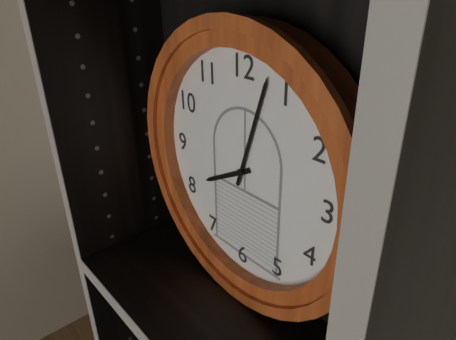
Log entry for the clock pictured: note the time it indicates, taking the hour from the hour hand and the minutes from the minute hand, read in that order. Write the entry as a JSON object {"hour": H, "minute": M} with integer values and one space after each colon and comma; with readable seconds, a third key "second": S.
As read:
{"hour": 8, "minute": 3}
